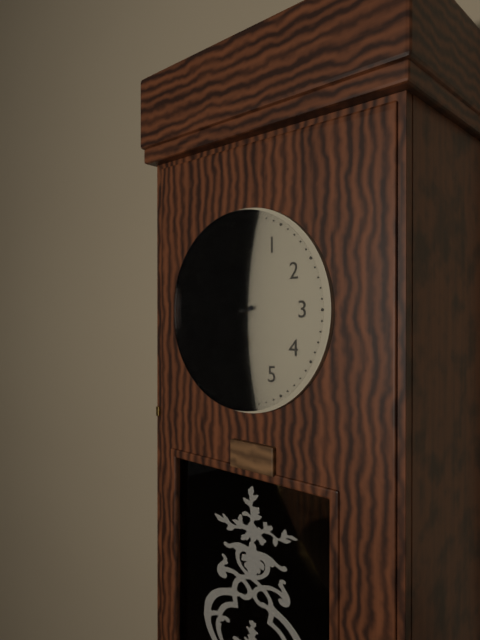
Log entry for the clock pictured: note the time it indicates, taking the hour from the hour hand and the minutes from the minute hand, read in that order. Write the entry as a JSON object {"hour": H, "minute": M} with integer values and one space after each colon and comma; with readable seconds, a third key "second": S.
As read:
{"hour": 11, "minute": 43}
